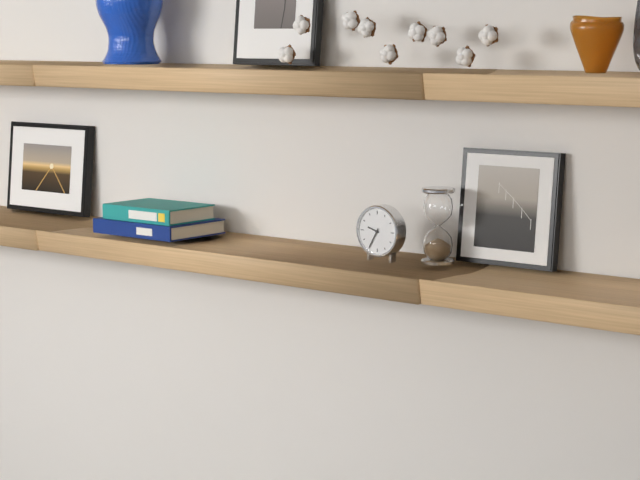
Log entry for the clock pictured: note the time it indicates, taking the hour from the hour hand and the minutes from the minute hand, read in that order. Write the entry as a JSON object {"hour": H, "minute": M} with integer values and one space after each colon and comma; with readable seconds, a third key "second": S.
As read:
{"hour": 9, "minute": 35}
